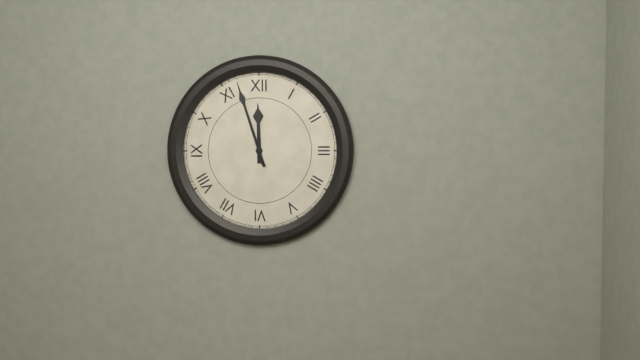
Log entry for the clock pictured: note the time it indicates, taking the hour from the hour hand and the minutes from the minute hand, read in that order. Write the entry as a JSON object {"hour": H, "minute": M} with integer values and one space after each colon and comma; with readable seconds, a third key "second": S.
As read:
{"hour": 11, "minute": 57}
